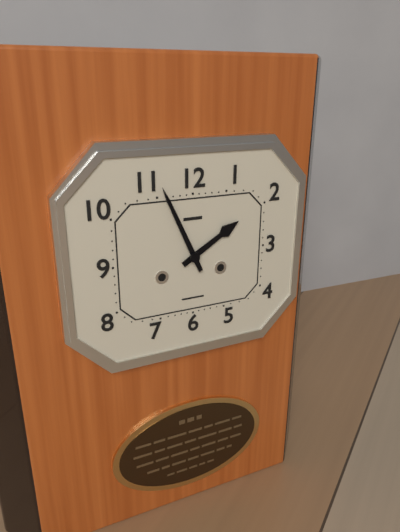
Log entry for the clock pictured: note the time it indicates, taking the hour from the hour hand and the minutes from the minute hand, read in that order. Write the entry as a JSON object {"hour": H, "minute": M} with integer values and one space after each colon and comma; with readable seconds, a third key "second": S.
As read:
{"hour": 1, "minute": 56}
